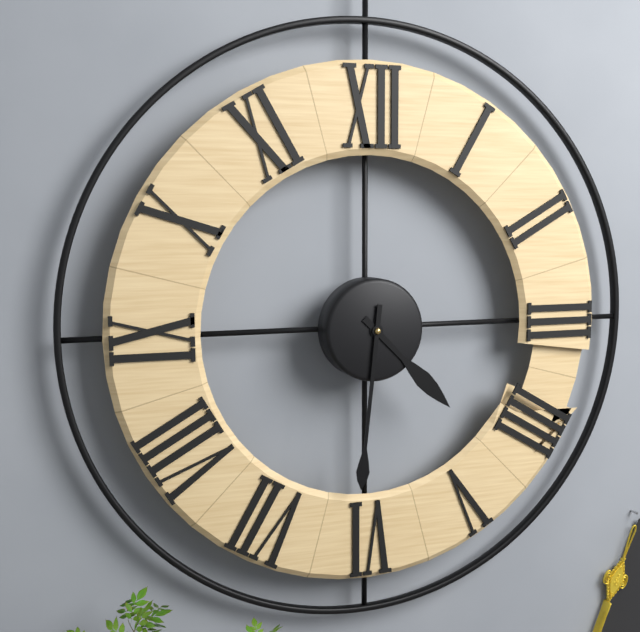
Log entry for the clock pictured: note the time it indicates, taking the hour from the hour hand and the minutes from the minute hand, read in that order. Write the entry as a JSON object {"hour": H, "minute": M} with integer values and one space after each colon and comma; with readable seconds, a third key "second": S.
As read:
{"hour": 4, "minute": 31}
